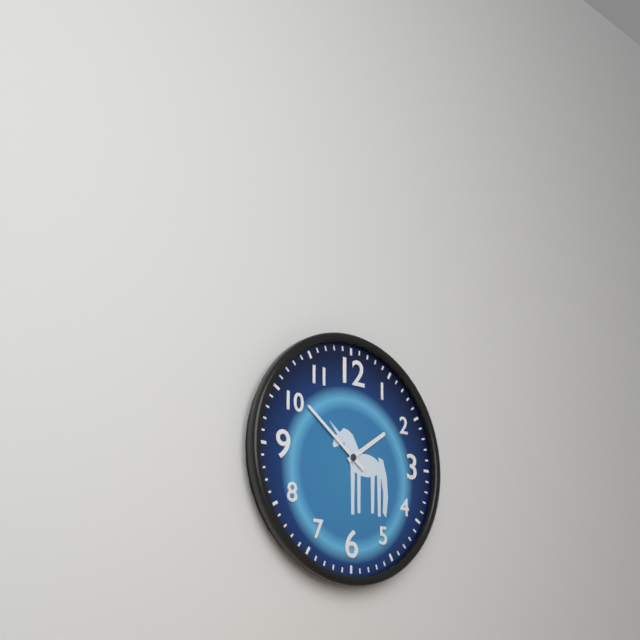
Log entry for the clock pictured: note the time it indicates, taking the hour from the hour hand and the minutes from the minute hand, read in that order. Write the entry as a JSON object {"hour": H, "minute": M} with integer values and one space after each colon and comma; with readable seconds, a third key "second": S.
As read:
{"hour": 1, "minute": 51}
